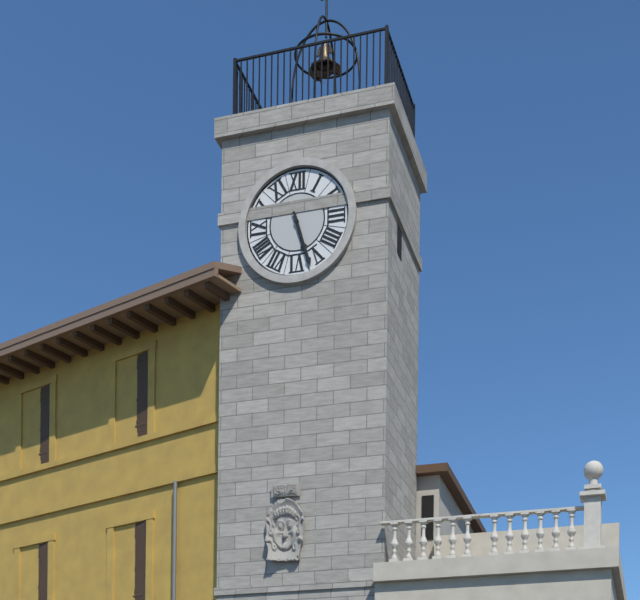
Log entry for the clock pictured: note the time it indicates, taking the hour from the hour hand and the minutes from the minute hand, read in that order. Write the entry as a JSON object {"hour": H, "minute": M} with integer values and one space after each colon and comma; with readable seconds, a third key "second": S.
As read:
{"hour": 5, "minute": 27}
